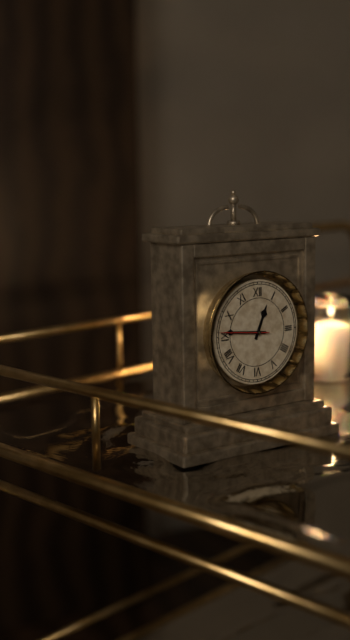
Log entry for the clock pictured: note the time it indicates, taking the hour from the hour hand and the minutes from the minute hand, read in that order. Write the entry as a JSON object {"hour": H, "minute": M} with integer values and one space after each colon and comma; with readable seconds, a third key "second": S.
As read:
{"hour": 12, "minute": 46}
